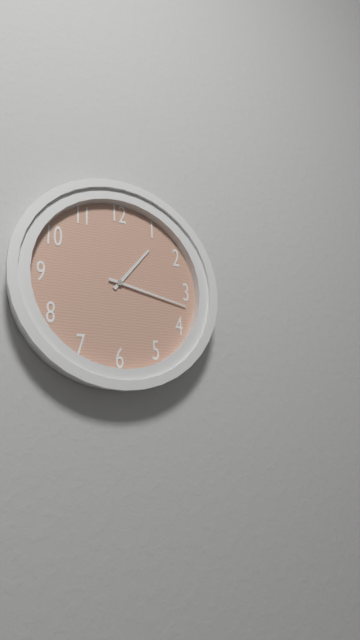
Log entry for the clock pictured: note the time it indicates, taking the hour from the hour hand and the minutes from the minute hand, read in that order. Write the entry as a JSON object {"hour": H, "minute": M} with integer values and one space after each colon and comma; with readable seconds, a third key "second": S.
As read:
{"hour": 1, "minute": 17}
